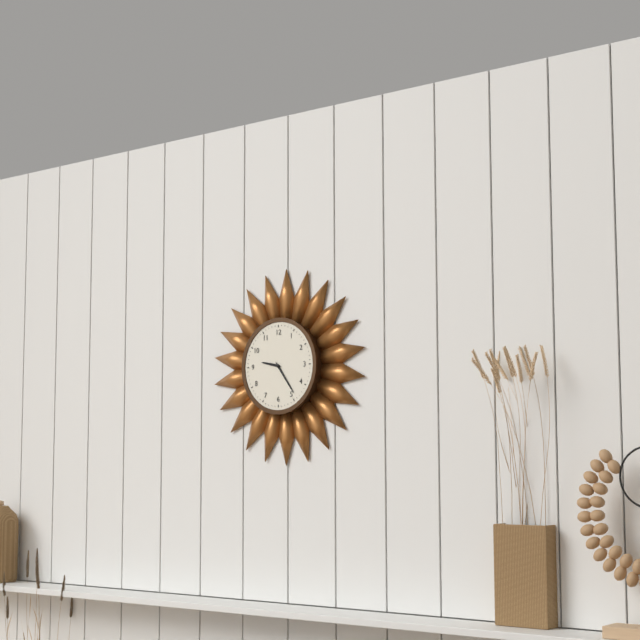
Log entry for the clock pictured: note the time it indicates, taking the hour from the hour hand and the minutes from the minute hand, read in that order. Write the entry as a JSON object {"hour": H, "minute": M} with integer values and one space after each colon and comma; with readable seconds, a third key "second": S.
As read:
{"hour": 9, "minute": 24}
